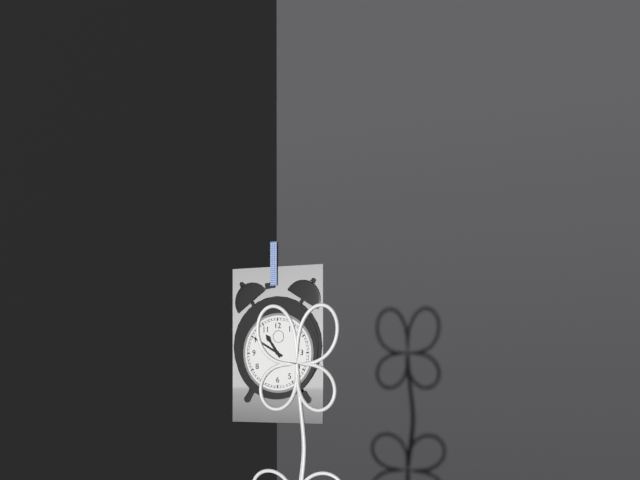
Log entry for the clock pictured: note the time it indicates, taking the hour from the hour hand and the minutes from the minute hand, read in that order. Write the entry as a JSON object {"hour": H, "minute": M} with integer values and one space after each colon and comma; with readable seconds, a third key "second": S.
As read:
{"hour": 10, "minute": 50}
